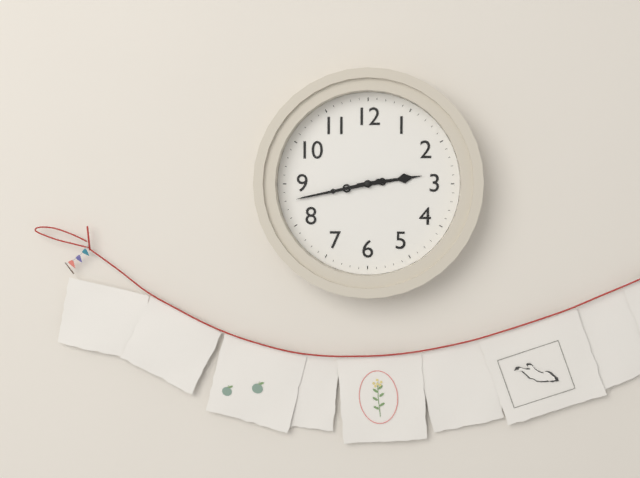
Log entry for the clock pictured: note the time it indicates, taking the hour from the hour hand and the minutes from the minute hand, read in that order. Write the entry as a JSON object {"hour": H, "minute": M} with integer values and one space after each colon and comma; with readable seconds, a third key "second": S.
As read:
{"hour": 2, "minute": 43}
